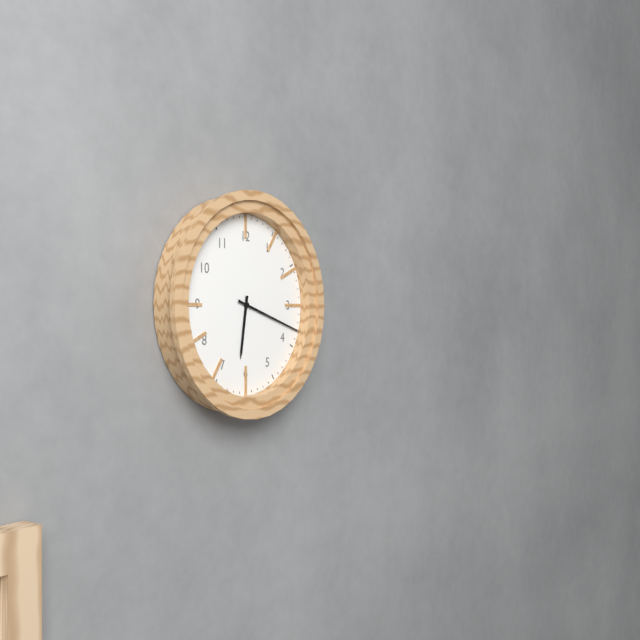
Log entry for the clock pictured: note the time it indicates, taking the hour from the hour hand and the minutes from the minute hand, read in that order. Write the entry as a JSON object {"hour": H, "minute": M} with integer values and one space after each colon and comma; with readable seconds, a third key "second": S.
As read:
{"hour": 6, "minute": 18}
